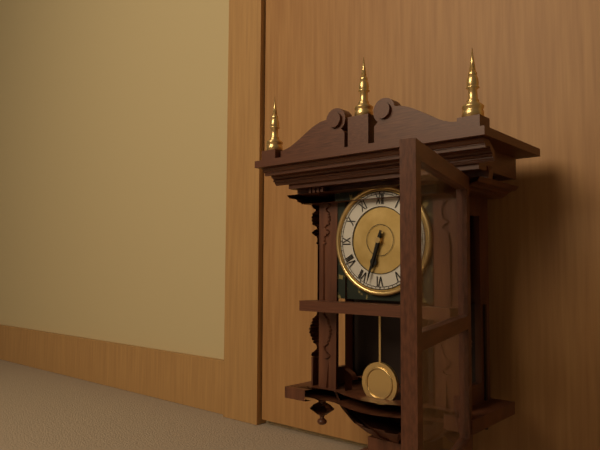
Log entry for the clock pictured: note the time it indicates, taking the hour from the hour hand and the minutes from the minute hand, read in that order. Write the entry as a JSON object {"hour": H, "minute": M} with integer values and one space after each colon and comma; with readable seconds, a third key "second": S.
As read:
{"hour": 6, "minute": 33}
